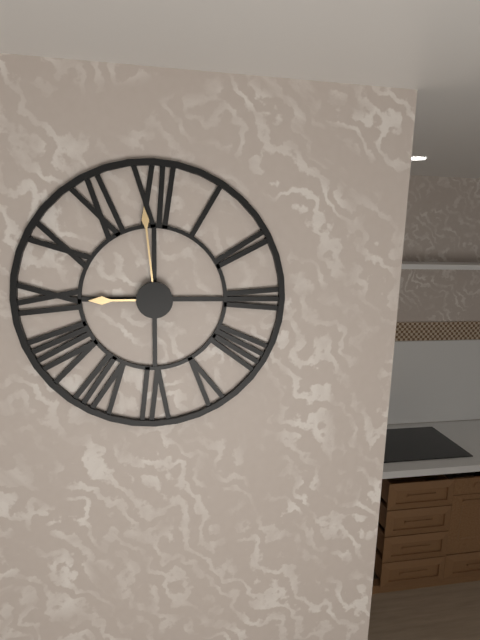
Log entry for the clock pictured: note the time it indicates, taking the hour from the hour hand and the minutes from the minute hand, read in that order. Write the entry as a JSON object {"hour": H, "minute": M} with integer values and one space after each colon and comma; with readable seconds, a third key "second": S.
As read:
{"hour": 8, "minute": 59}
